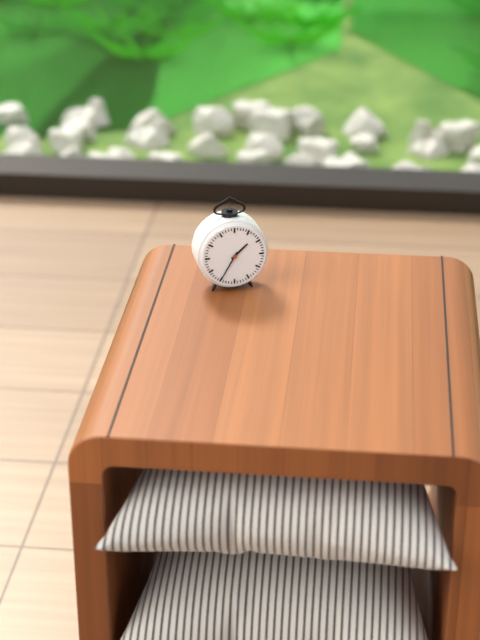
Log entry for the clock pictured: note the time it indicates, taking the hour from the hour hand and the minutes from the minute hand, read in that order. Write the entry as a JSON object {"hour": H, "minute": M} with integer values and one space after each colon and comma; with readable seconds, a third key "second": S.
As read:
{"hour": 1, "minute": 35}
